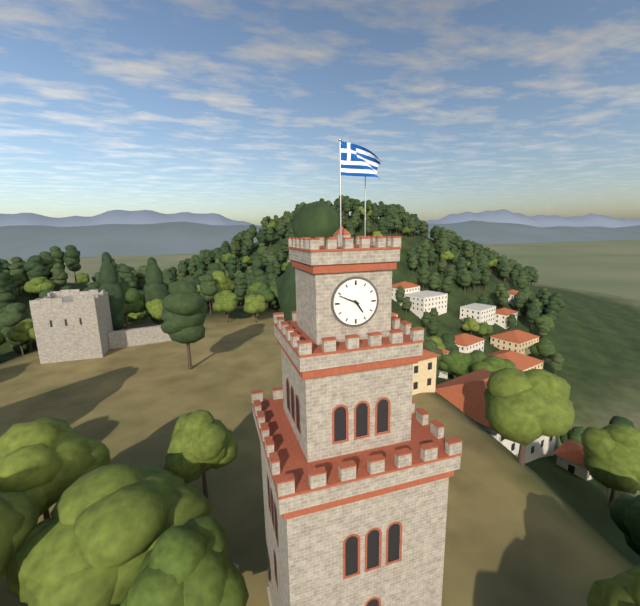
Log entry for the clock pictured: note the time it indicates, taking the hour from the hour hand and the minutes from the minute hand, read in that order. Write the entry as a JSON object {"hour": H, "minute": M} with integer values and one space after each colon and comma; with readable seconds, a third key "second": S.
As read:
{"hour": 4, "minute": 49}
